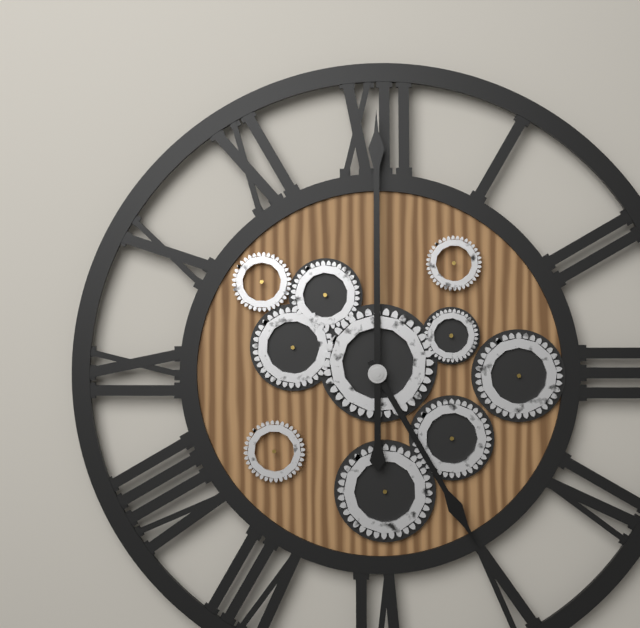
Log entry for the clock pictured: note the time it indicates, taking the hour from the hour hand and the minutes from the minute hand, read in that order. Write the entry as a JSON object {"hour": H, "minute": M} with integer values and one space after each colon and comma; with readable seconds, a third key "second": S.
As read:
{"hour": 5, "minute": 0}
